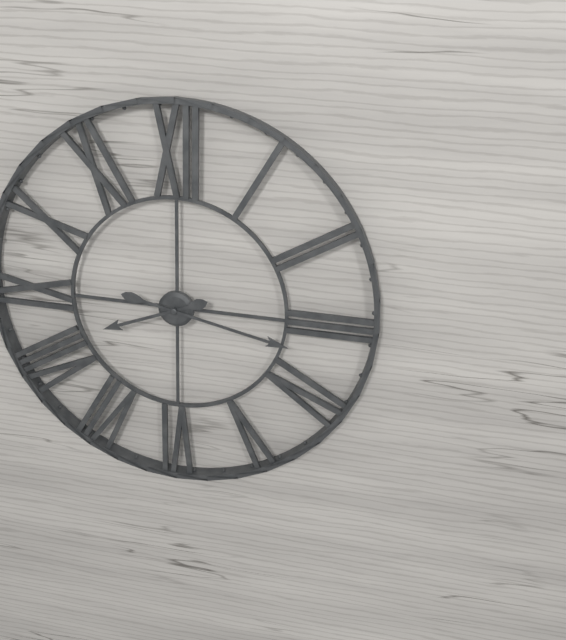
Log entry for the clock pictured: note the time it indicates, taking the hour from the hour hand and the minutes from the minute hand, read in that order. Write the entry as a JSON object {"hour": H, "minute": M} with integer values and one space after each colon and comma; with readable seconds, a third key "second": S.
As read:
{"hour": 8, "minute": 17}
